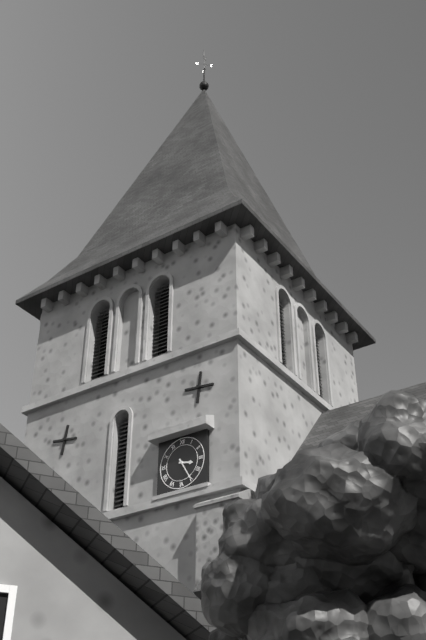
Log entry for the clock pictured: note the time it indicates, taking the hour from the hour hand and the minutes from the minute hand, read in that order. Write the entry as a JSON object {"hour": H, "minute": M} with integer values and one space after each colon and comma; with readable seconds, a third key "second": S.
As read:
{"hour": 3, "minute": 25}
